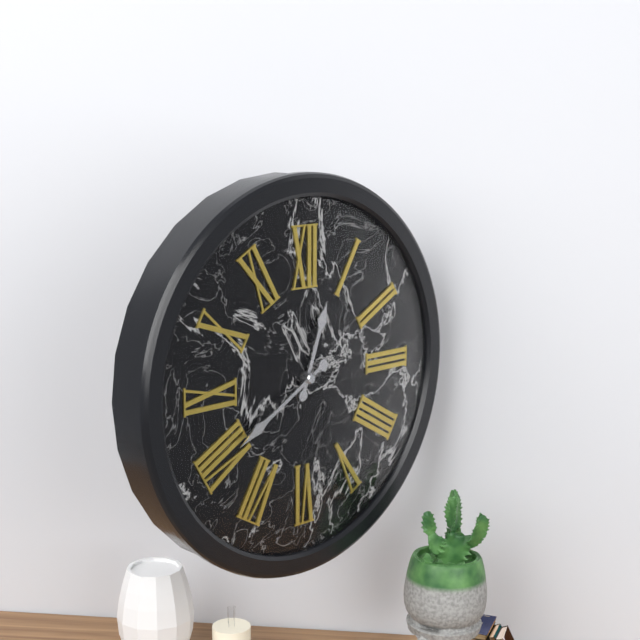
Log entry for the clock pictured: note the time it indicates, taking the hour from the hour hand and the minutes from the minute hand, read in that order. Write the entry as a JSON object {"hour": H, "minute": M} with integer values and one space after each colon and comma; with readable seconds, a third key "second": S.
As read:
{"hour": 12, "minute": 40}
